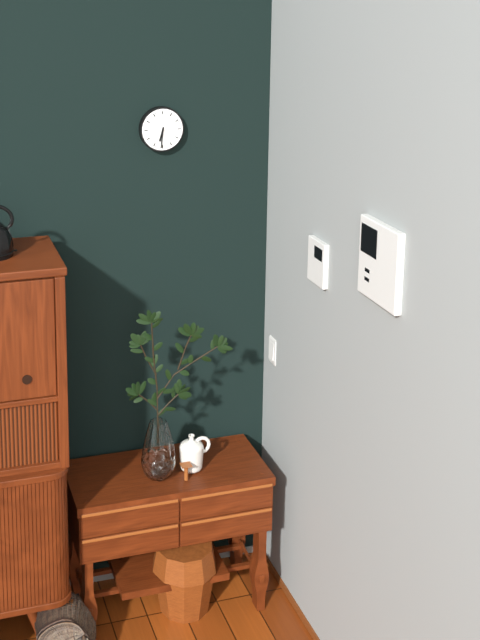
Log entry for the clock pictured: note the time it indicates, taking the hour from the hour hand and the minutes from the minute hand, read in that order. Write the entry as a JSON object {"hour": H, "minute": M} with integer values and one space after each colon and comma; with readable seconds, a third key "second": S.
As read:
{"hour": 6, "minute": 31}
